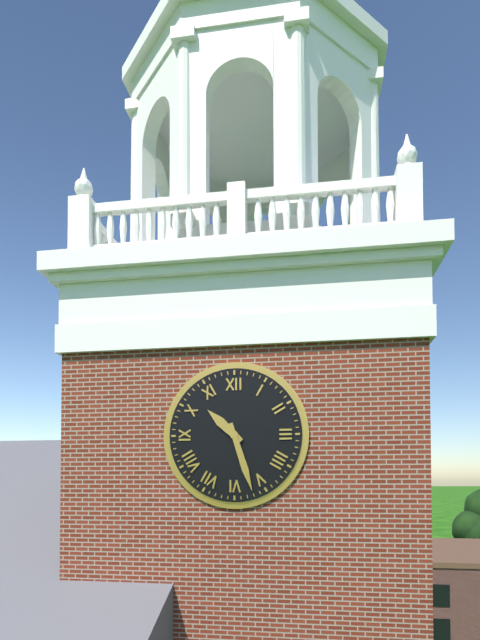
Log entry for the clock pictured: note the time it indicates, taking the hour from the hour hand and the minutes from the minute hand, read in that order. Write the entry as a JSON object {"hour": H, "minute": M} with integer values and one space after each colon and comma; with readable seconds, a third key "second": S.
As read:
{"hour": 10, "minute": 27}
